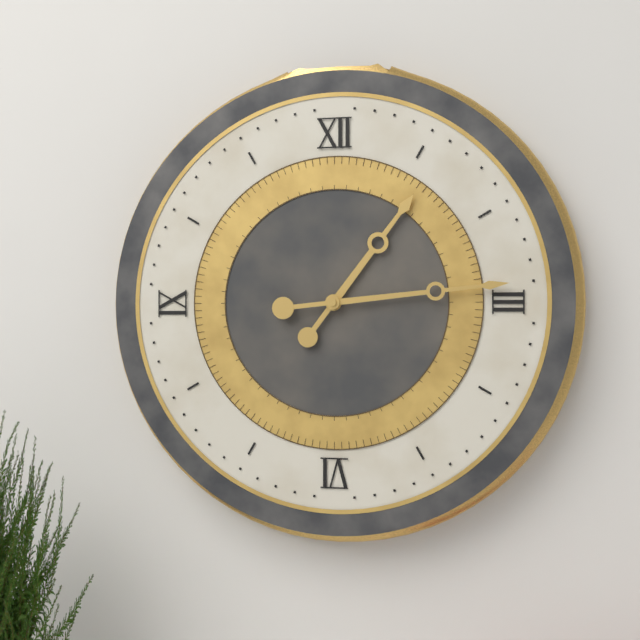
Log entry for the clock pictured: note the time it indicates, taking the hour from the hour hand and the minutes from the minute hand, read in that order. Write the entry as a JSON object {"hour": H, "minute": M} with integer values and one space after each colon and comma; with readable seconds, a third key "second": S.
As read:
{"hour": 1, "minute": 14}
